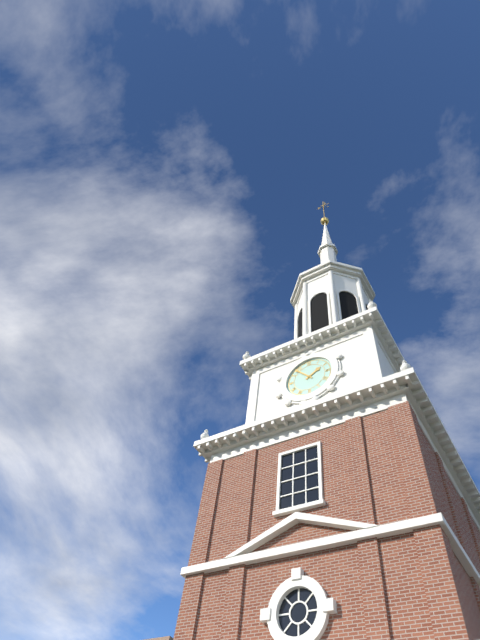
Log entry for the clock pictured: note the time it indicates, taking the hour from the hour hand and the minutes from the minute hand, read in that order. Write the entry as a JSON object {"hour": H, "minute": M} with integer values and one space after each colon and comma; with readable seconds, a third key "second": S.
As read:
{"hour": 1, "minute": 53}
